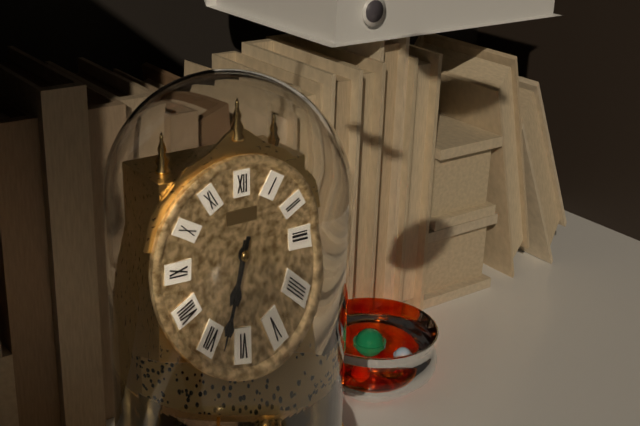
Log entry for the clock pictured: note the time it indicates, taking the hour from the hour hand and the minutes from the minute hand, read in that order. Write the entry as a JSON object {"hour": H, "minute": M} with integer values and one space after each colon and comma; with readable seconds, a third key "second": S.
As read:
{"hour": 6, "minute": 33}
